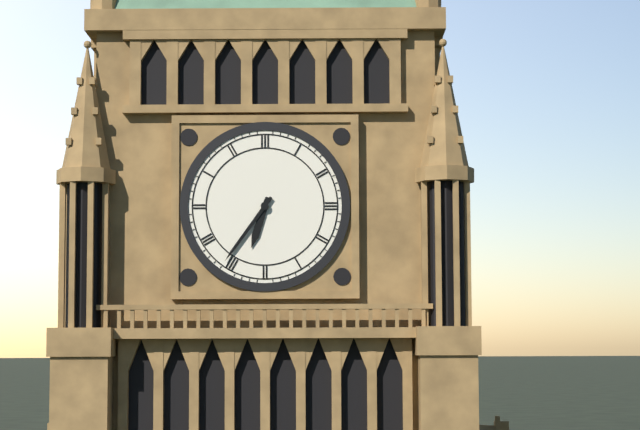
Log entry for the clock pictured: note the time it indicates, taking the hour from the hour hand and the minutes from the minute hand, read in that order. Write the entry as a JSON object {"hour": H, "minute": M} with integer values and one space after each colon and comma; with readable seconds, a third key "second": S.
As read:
{"hour": 6, "minute": 36}
